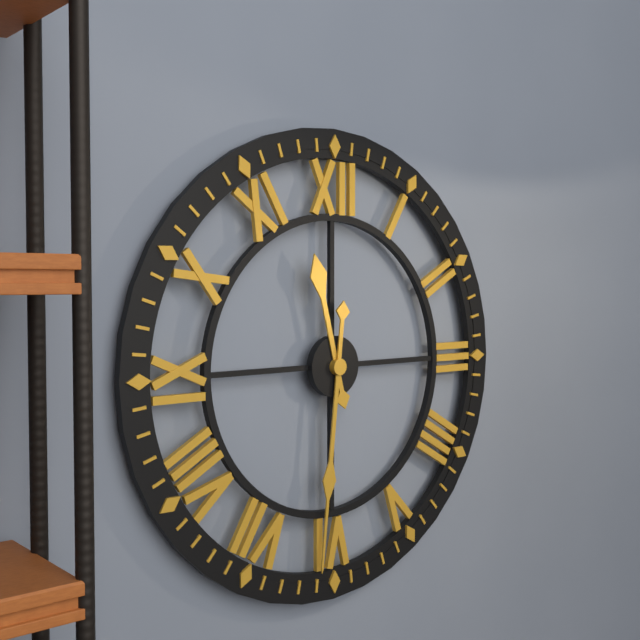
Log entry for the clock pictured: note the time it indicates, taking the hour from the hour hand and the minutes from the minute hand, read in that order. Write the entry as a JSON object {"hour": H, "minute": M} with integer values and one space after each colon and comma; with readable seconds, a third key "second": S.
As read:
{"hour": 11, "minute": 31}
